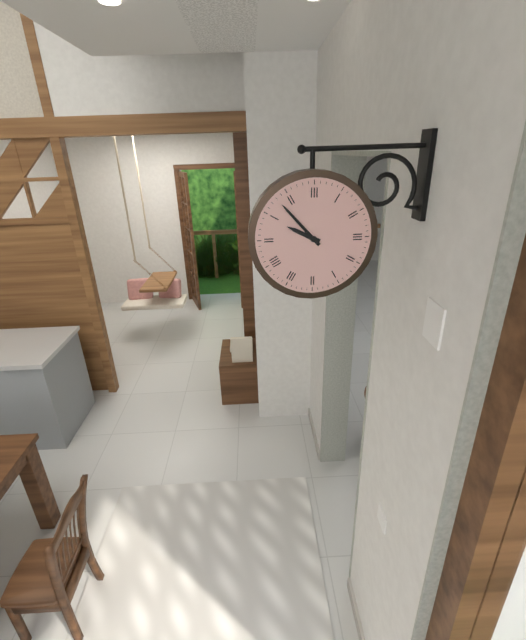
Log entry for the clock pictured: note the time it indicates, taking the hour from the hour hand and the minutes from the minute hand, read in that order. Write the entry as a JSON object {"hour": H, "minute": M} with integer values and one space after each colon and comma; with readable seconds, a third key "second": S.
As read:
{"hour": 9, "minute": 53}
